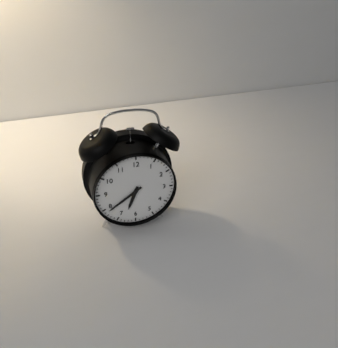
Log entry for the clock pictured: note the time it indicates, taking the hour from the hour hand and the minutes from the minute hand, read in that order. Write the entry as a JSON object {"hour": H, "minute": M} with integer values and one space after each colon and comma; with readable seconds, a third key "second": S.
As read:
{"hour": 6, "minute": 39}
